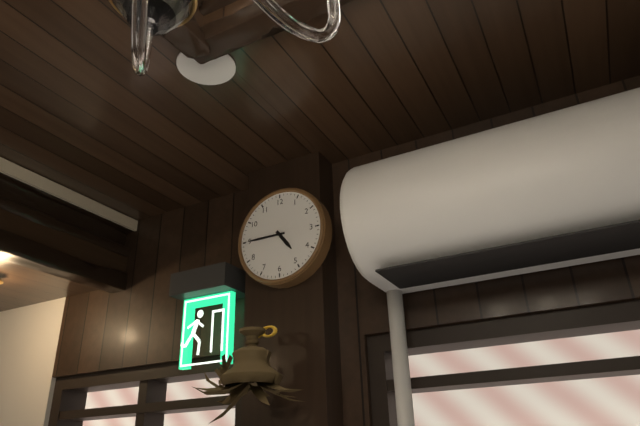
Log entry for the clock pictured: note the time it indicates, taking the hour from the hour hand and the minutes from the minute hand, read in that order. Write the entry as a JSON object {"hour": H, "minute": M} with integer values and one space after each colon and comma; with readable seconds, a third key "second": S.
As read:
{"hour": 4, "minute": 45}
